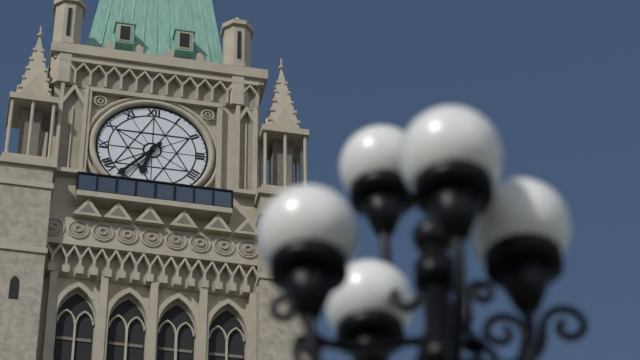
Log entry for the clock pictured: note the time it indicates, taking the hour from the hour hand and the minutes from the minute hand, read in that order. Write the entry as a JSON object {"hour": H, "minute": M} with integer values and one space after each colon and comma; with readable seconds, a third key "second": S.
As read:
{"hour": 6, "minute": 37}
